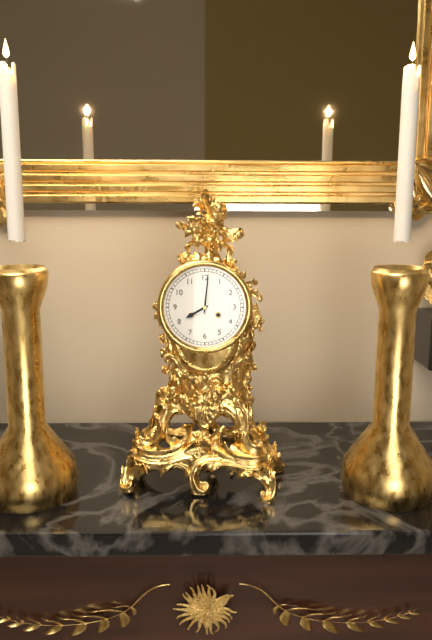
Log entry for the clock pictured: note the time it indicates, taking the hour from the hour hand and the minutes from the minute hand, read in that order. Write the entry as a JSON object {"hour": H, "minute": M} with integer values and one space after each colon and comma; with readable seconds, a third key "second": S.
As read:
{"hour": 8, "minute": 1}
